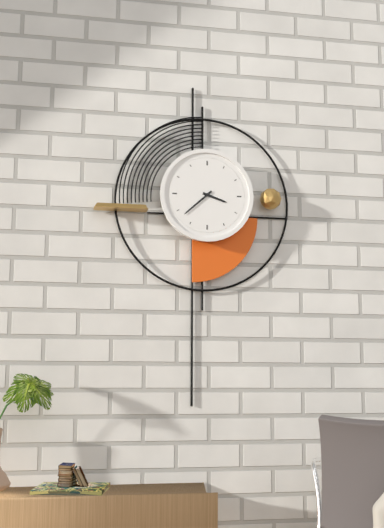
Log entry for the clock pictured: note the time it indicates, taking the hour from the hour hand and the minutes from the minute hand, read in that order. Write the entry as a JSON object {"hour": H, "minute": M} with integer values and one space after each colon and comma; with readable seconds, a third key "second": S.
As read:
{"hour": 3, "minute": 38}
